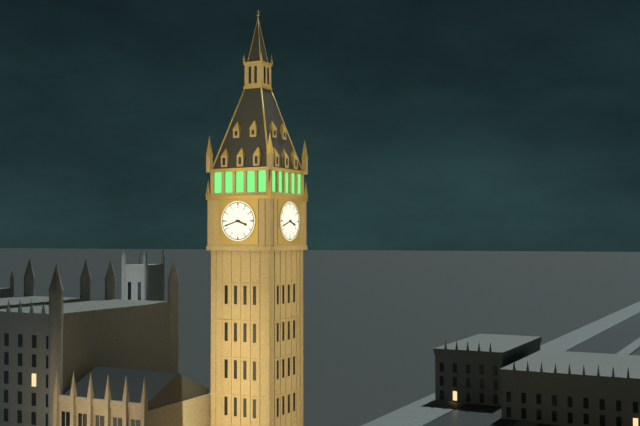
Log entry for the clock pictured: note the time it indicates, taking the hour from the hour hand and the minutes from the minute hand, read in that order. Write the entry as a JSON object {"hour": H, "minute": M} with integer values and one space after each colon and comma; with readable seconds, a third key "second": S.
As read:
{"hour": 3, "minute": 42}
